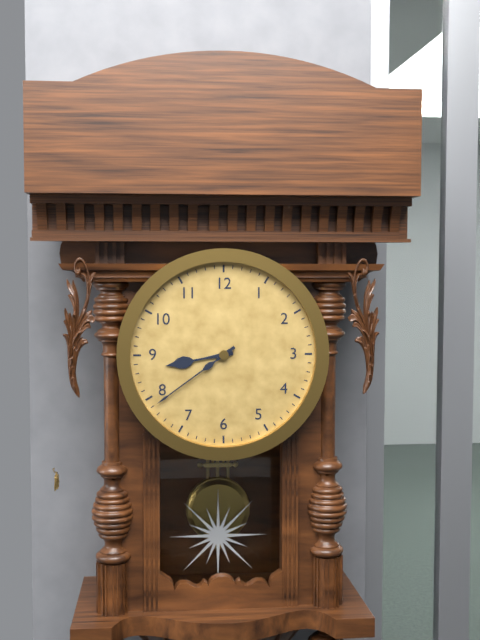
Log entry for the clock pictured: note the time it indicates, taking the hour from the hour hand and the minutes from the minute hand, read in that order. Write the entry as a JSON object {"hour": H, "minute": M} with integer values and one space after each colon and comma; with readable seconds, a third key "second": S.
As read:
{"hour": 8, "minute": 39}
